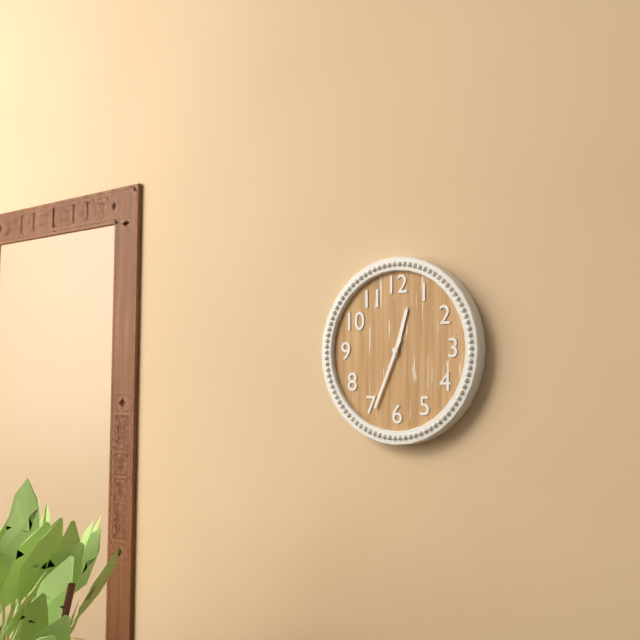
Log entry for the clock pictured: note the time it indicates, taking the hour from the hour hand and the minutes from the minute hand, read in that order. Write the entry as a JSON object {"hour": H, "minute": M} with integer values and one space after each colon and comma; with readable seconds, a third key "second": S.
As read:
{"hour": 12, "minute": 34}
